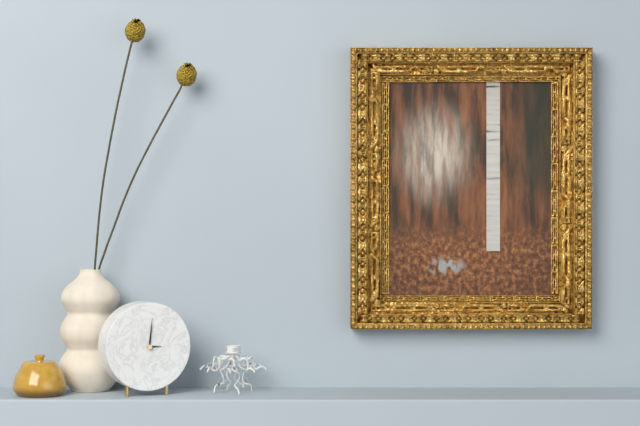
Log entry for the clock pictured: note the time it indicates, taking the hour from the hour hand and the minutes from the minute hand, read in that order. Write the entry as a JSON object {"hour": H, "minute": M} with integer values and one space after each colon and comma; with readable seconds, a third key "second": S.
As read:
{"hour": 3, "minute": 1}
